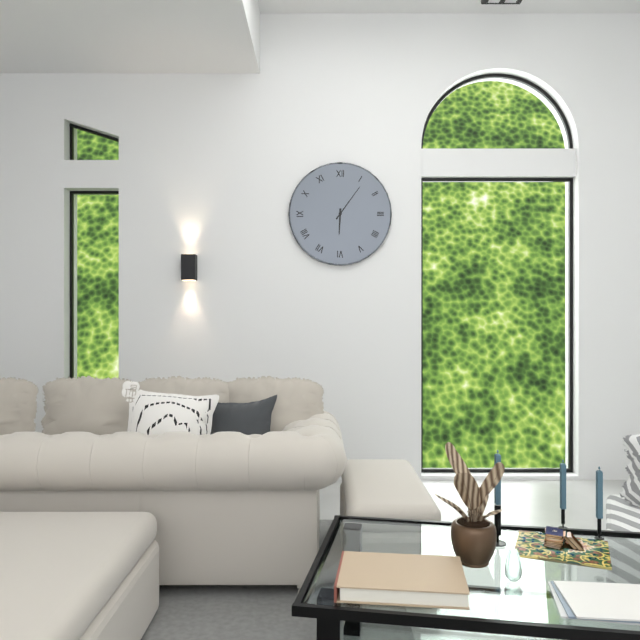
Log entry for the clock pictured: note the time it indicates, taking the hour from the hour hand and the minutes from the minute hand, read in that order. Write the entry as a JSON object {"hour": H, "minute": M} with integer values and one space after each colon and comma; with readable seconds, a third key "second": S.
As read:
{"hour": 6, "minute": 6}
